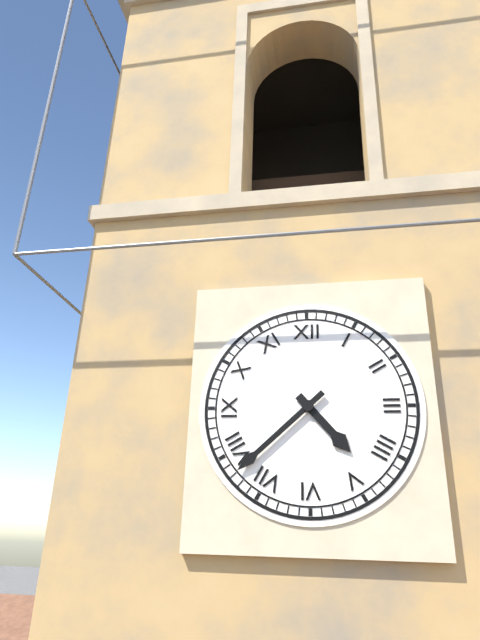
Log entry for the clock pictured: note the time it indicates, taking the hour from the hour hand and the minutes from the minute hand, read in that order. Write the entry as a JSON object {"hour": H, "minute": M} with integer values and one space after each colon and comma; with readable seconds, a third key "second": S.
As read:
{"hour": 4, "minute": 38}
